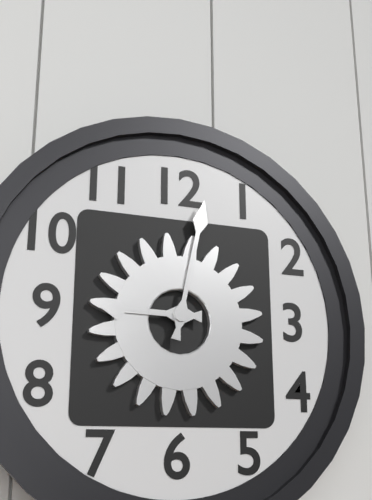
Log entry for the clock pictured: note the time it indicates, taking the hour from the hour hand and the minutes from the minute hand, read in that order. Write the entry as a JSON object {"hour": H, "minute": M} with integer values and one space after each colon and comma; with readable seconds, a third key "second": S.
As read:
{"hour": 9, "minute": 2}
